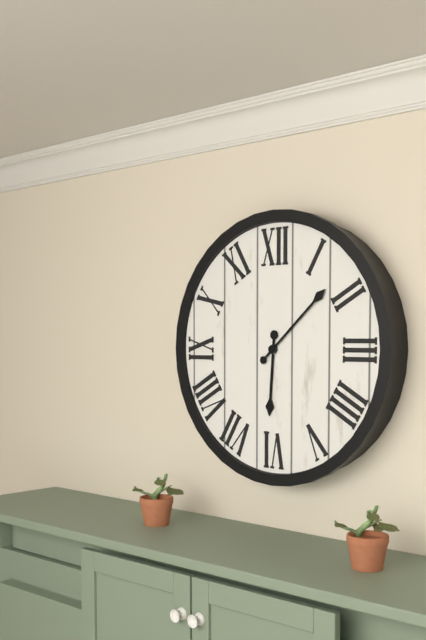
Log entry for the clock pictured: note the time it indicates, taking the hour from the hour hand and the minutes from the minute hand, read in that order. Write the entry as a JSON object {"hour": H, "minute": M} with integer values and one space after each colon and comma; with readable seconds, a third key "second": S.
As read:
{"hour": 6, "minute": 8}
